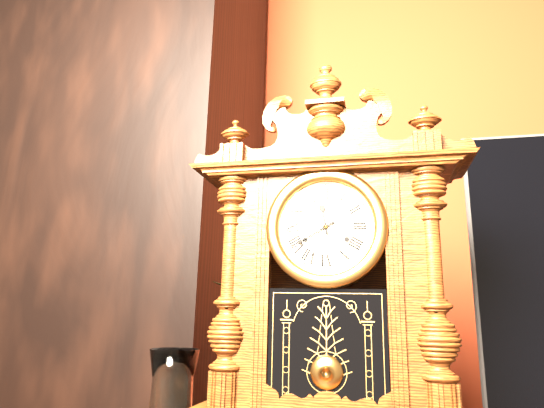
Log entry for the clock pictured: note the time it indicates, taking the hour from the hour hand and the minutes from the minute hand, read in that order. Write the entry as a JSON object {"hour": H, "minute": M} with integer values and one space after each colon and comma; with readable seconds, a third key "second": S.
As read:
{"hour": 11, "minute": 40}
